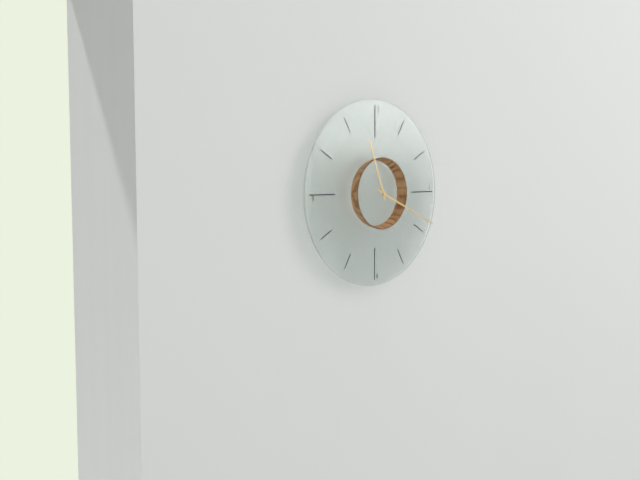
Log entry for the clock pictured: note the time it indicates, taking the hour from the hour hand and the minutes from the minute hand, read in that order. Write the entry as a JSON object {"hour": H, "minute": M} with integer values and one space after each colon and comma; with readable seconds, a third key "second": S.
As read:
{"hour": 11, "minute": 19}
